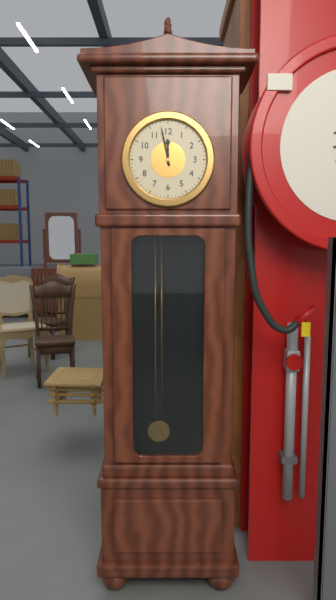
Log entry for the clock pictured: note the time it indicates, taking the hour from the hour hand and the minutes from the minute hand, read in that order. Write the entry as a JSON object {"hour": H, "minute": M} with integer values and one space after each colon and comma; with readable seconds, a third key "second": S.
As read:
{"hour": 11, "minute": 58}
